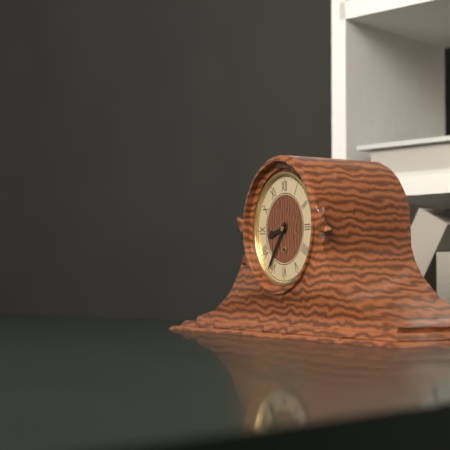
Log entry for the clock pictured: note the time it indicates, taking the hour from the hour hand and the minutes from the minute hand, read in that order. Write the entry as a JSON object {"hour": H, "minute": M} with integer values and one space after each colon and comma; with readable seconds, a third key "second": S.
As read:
{"hour": 8, "minute": 36}
